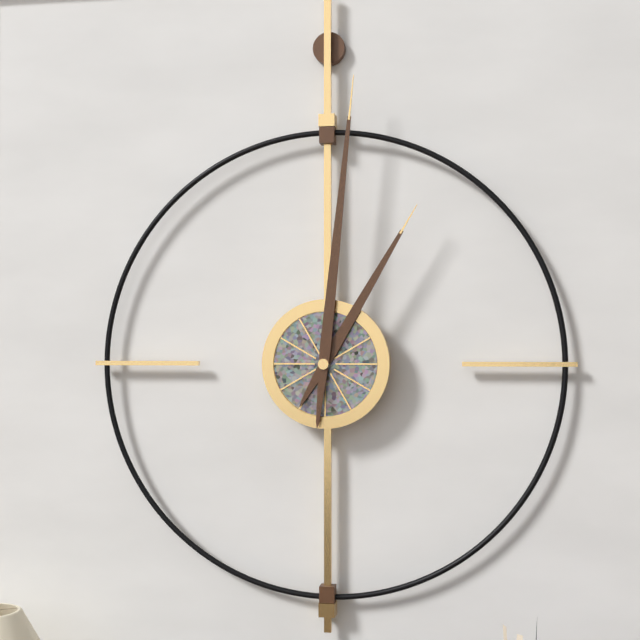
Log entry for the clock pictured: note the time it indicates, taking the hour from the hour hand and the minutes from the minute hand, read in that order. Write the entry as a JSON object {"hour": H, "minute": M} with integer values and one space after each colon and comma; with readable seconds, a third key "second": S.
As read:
{"hour": 1, "minute": 1}
